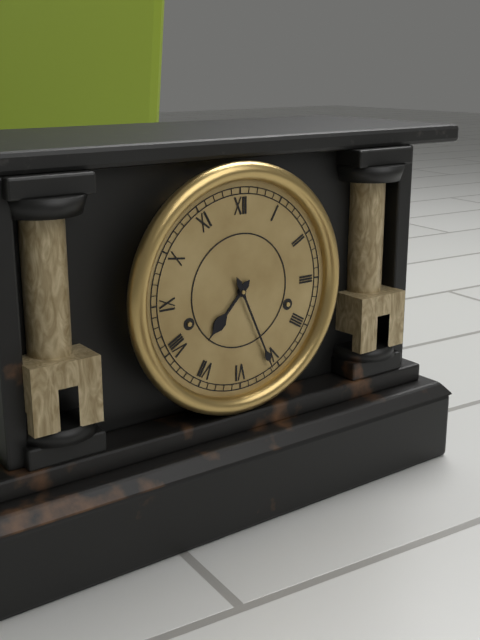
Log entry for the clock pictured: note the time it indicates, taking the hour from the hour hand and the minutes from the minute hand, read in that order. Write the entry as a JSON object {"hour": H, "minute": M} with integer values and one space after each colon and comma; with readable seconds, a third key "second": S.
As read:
{"hour": 7, "minute": 26}
